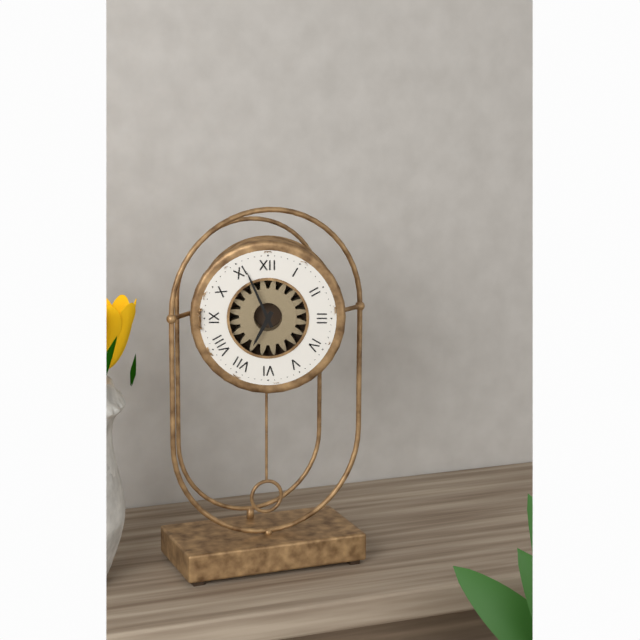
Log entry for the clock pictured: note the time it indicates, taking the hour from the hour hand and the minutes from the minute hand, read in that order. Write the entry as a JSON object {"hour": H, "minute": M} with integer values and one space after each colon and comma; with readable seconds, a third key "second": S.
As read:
{"hour": 6, "minute": 56}
